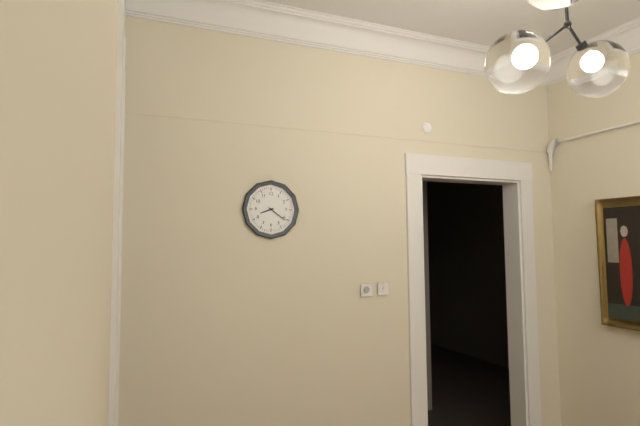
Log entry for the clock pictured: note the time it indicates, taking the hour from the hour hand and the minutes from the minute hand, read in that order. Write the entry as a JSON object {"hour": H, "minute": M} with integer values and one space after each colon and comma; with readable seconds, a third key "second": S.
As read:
{"hour": 8, "minute": 21}
